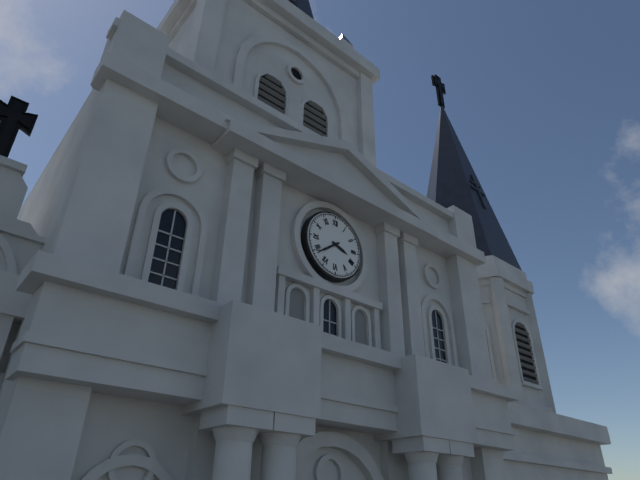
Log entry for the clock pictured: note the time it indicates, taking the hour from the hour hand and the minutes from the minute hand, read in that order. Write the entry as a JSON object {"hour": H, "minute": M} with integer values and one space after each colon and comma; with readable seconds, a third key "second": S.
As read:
{"hour": 3, "minute": 39}
